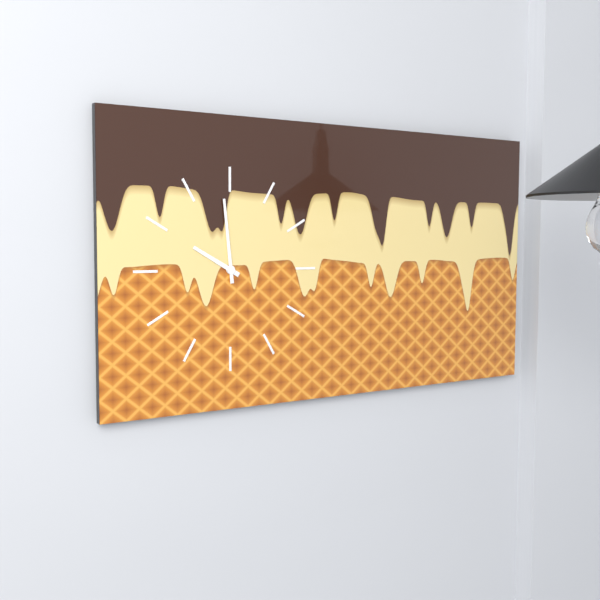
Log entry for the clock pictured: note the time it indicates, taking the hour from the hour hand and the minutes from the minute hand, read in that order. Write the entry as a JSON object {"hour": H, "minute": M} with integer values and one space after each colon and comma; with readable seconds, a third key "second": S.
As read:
{"hour": 9, "minute": 59}
